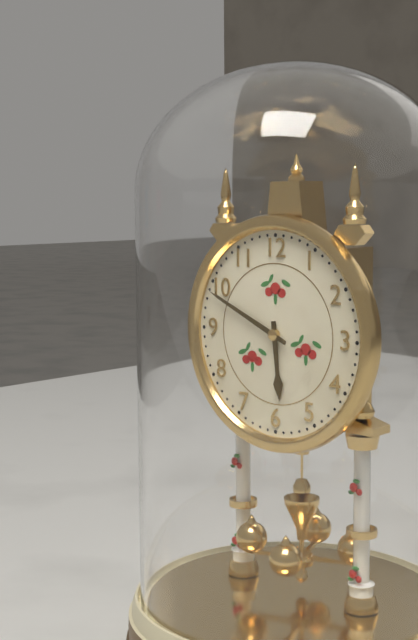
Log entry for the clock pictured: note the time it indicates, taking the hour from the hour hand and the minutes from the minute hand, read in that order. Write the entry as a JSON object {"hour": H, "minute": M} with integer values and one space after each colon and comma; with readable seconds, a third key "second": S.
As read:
{"hour": 5, "minute": 49}
